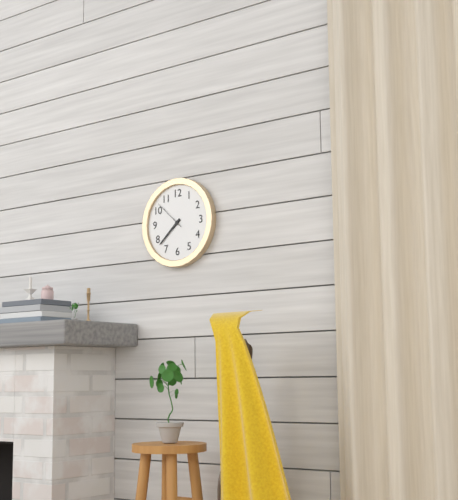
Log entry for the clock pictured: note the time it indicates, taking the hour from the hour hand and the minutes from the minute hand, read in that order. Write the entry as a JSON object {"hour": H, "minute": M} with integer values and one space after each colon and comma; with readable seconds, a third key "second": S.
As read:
{"hour": 7, "minute": 38}
